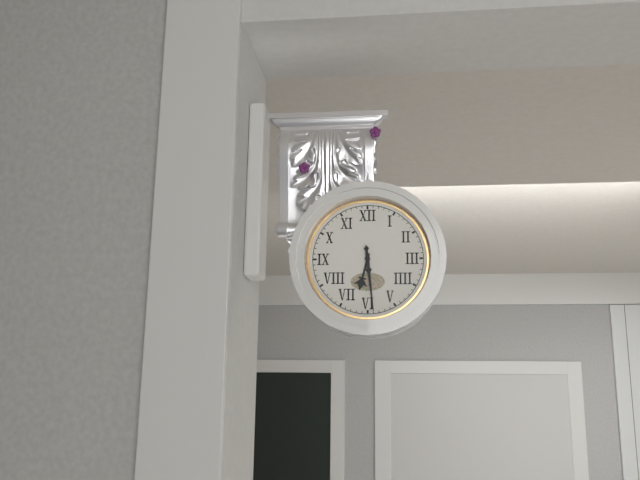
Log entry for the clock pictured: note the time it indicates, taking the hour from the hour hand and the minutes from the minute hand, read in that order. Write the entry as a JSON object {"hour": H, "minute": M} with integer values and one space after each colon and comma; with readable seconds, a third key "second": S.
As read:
{"hour": 6, "minute": 29}
